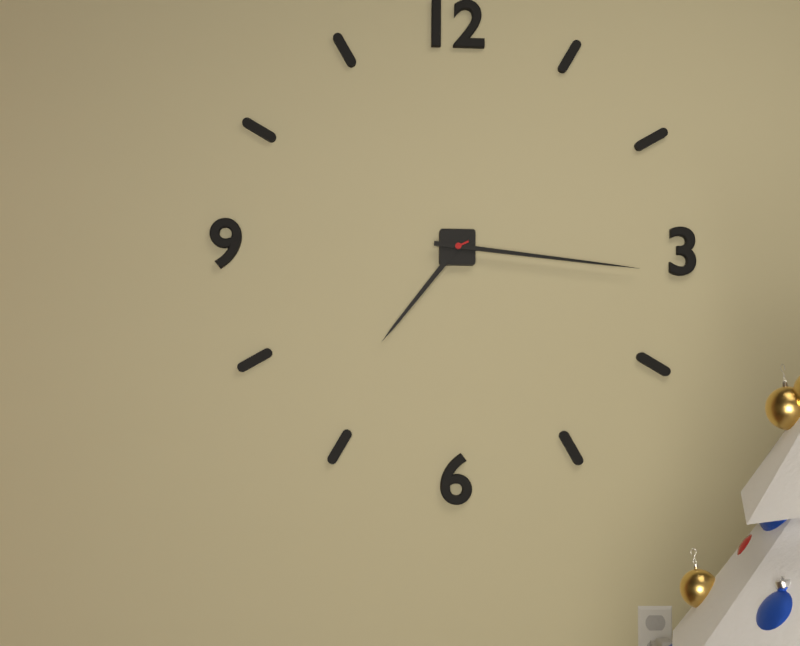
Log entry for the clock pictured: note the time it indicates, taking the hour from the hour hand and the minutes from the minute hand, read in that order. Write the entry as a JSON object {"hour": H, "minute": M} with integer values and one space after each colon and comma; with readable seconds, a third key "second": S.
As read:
{"hour": 7, "minute": 16}
